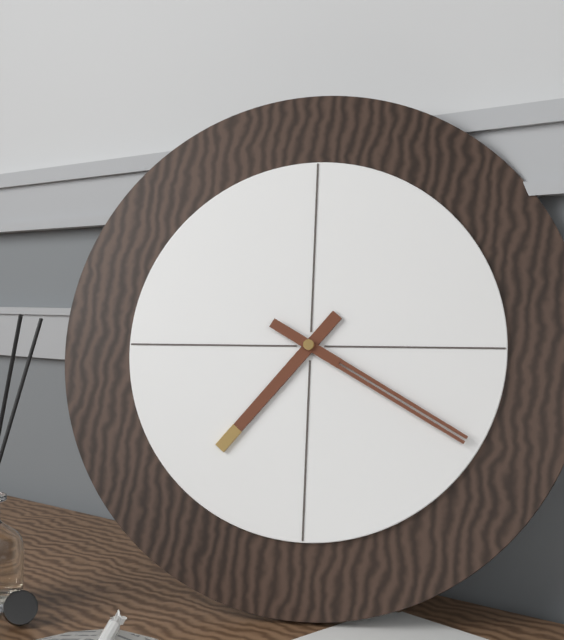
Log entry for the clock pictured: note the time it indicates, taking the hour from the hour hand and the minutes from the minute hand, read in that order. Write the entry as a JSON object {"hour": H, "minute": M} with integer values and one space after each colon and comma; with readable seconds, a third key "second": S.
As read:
{"hour": 7, "minute": 20}
